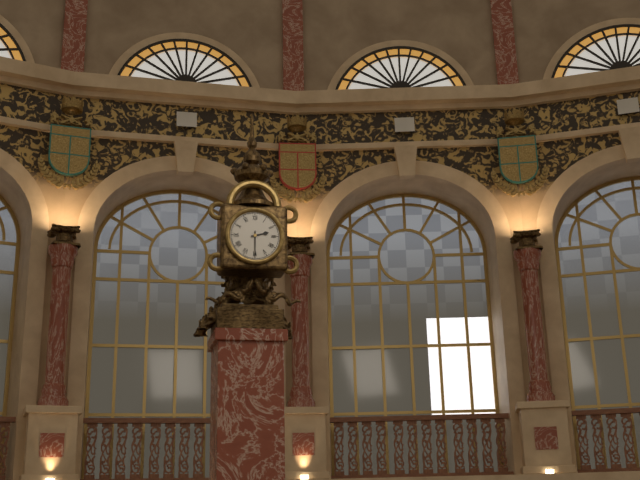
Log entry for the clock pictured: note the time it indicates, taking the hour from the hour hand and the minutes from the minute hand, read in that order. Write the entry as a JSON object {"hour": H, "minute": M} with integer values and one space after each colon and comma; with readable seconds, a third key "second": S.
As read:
{"hour": 2, "minute": 30}
